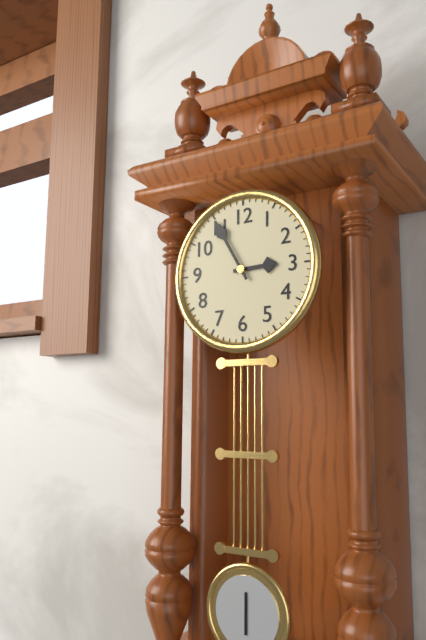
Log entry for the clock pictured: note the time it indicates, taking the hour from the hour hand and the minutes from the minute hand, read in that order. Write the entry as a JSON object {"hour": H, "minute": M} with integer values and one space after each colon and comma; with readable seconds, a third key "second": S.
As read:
{"hour": 2, "minute": 55}
